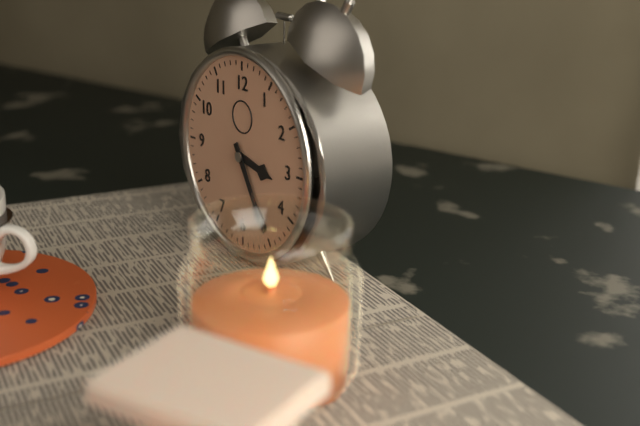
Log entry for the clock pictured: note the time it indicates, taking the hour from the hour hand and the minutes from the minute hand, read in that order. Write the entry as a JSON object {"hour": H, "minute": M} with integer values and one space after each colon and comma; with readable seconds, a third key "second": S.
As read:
{"hour": 3, "minute": 25}
